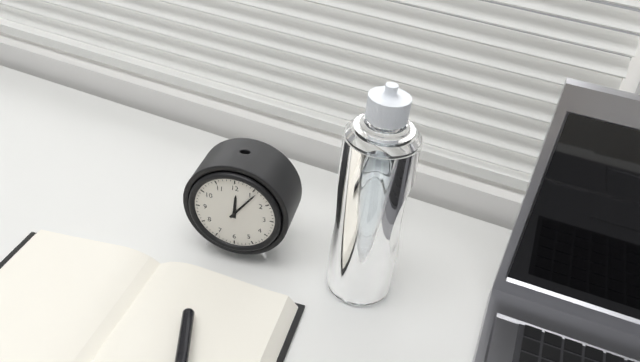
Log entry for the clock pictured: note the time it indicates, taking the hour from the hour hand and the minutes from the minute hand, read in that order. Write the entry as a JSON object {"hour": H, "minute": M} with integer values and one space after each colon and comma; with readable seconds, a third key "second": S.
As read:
{"hour": 12, "minute": 6}
